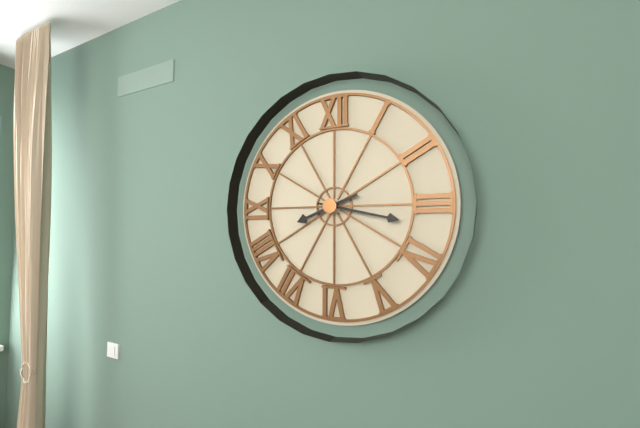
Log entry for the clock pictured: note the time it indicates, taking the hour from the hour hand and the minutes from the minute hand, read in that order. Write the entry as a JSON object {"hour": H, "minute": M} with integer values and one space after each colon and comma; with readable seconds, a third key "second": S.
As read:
{"hour": 8, "minute": 17}
